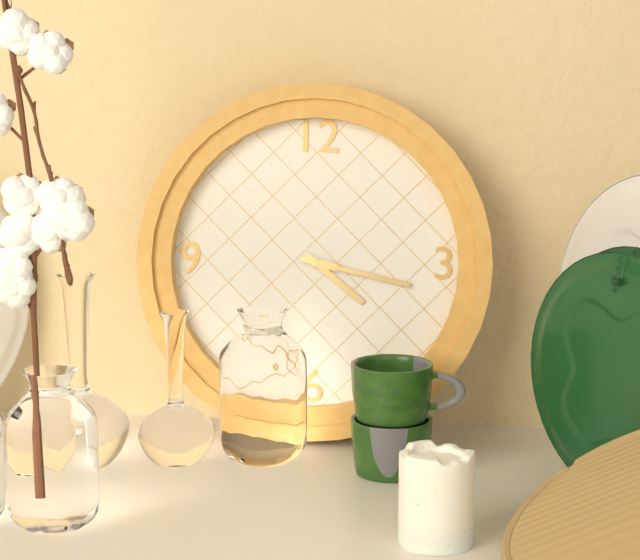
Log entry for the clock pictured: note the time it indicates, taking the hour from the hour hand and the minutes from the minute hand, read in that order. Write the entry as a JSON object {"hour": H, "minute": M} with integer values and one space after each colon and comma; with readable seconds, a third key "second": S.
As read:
{"hour": 4, "minute": 17}
